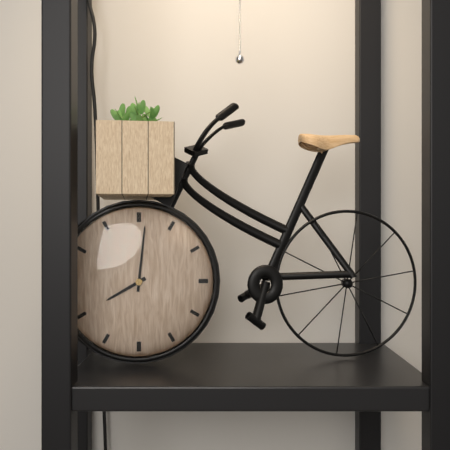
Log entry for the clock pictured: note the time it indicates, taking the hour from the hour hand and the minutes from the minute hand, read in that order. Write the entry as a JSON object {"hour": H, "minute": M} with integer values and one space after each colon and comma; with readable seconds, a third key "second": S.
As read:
{"hour": 8, "minute": 1}
